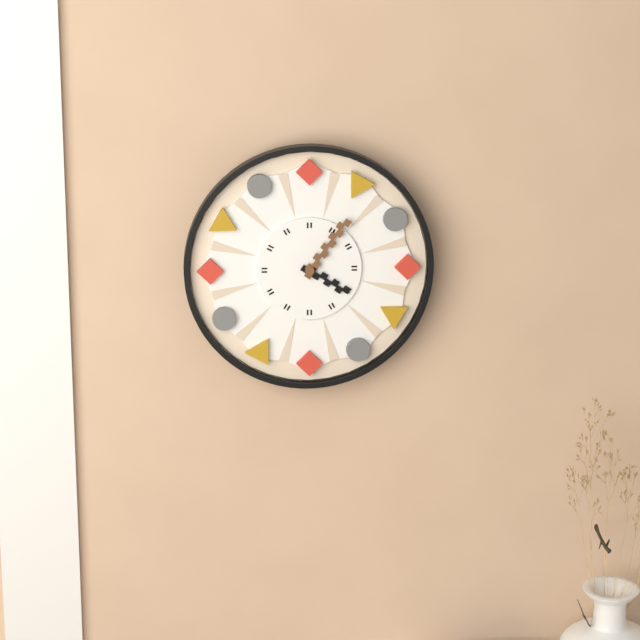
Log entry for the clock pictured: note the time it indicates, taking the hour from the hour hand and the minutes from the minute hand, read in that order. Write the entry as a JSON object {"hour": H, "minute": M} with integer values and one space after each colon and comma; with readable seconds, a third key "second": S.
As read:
{"hour": 4, "minute": 6}
